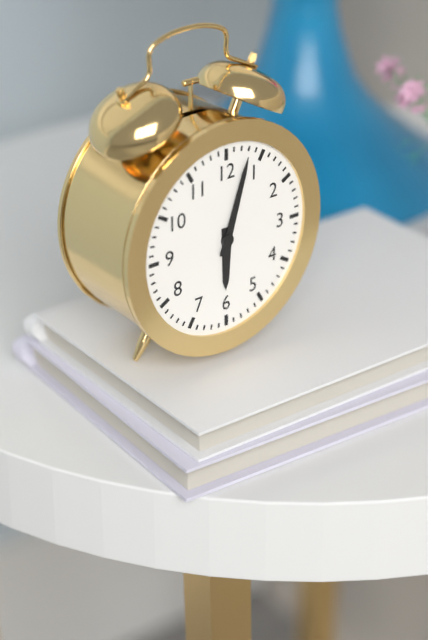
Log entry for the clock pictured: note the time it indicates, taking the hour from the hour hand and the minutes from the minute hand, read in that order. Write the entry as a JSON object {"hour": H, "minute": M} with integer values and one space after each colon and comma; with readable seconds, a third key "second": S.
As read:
{"hour": 6, "minute": 3}
